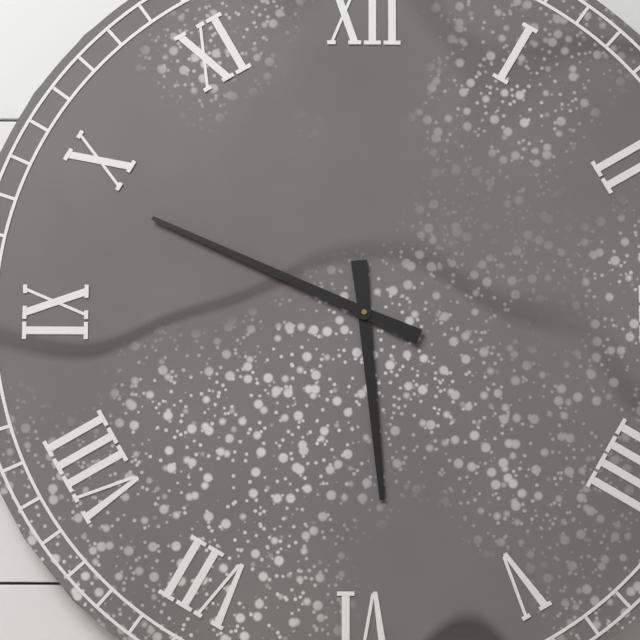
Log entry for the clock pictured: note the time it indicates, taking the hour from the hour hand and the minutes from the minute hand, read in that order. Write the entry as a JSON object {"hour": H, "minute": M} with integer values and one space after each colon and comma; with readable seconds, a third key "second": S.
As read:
{"hour": 5, "minute": 49}
